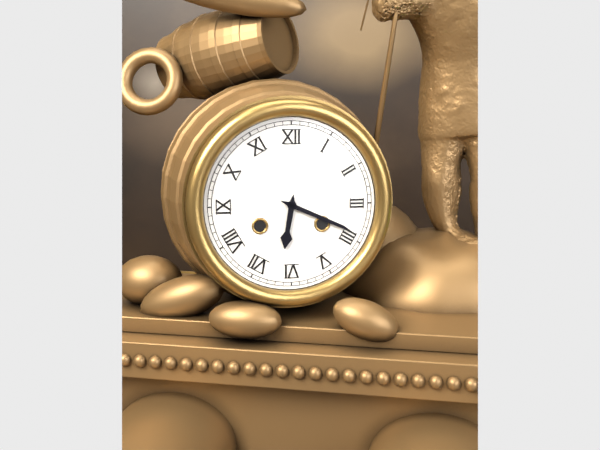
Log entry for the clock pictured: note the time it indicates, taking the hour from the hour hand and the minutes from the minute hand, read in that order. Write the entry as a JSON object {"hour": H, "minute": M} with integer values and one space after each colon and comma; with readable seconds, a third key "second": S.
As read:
{"hour": 6, "minute": 19}
